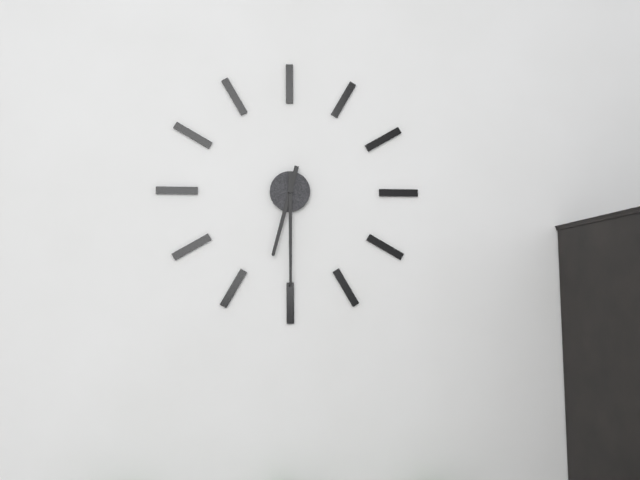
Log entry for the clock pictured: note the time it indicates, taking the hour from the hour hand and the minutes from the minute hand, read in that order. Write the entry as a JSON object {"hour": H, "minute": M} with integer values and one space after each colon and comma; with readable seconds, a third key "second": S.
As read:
{"hour": 6, "minute": 30}
